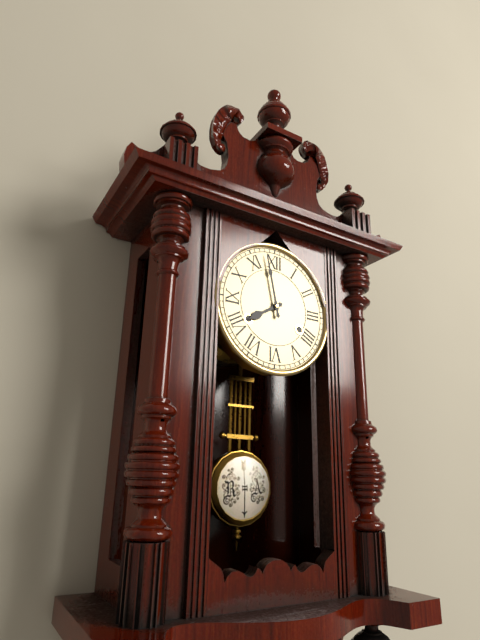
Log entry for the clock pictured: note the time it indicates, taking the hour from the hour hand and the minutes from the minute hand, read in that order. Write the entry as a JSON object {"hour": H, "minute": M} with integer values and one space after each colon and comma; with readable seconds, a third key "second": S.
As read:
{"hour": 7, "minute": 58}
